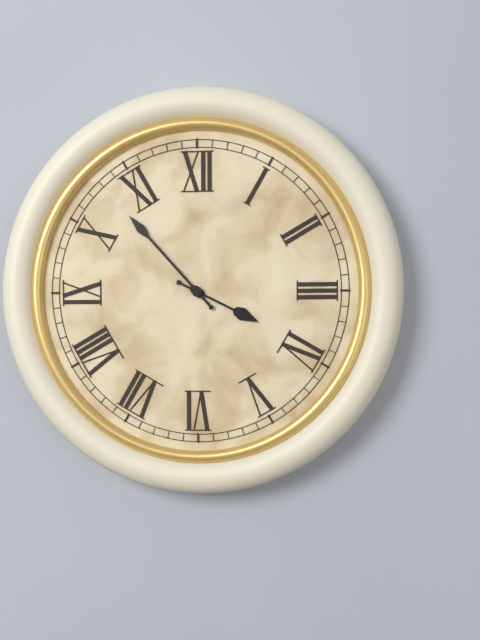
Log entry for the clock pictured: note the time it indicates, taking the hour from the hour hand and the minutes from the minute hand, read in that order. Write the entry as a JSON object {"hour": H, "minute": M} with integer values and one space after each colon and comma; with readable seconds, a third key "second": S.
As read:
{"hour": 3, "minute": 53}
